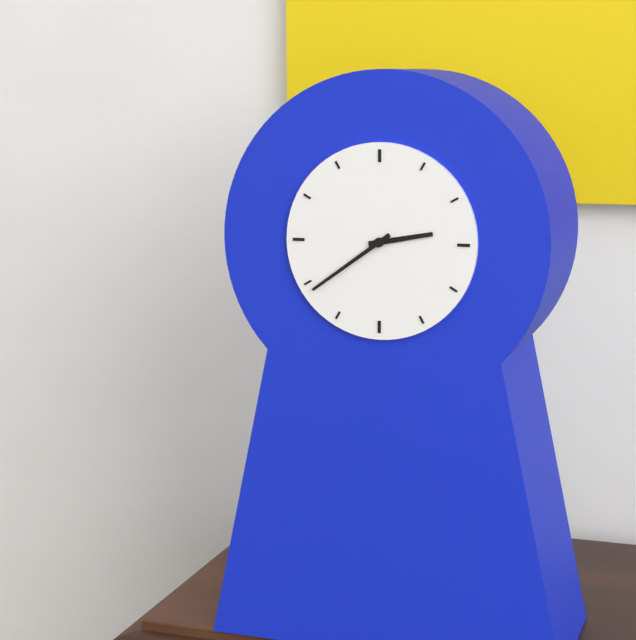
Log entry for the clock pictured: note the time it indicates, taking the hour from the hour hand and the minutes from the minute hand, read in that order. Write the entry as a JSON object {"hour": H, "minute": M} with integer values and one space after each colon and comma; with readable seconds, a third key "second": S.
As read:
{"hour": 2, "minute": 39}
